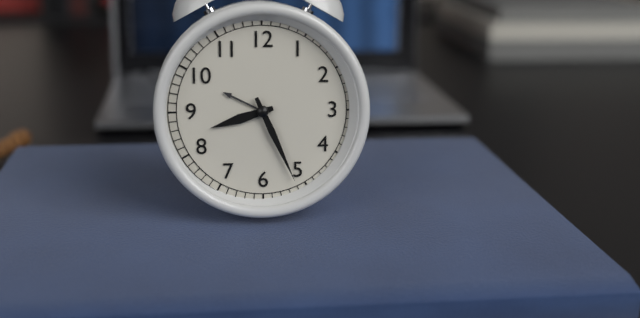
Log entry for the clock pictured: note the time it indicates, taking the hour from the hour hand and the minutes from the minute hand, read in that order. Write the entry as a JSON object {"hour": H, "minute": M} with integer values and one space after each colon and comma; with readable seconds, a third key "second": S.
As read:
{"hour": 8, "minute": 26}
